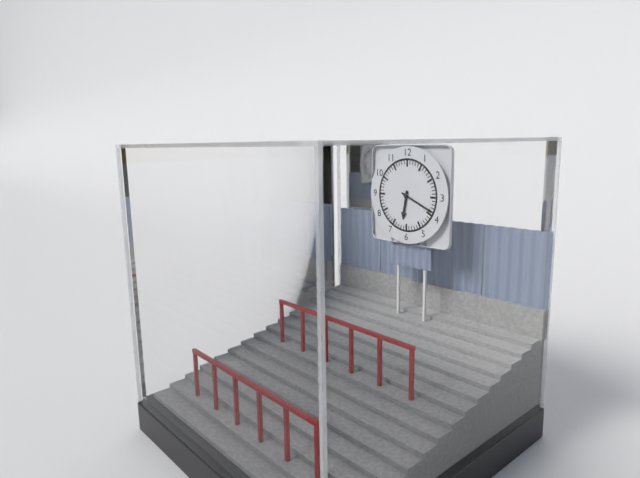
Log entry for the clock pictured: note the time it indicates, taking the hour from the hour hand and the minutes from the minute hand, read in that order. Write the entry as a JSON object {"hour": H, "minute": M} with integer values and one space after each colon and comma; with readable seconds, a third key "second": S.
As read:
{"hour": 6, "minute": 19}
